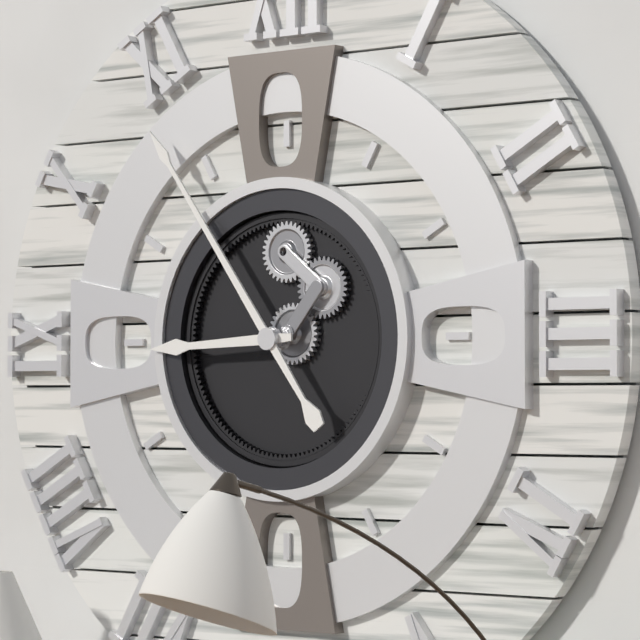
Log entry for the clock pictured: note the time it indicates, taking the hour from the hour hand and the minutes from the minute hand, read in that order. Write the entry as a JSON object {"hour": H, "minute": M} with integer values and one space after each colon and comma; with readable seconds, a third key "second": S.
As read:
{"hour": 8, "minute": 54}
